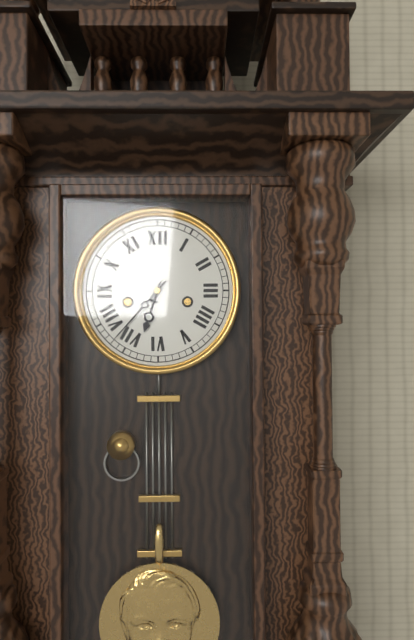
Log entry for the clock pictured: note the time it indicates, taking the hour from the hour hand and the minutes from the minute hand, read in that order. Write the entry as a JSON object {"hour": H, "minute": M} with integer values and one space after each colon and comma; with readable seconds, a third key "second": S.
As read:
{"hour": 6, "minute": 37}
